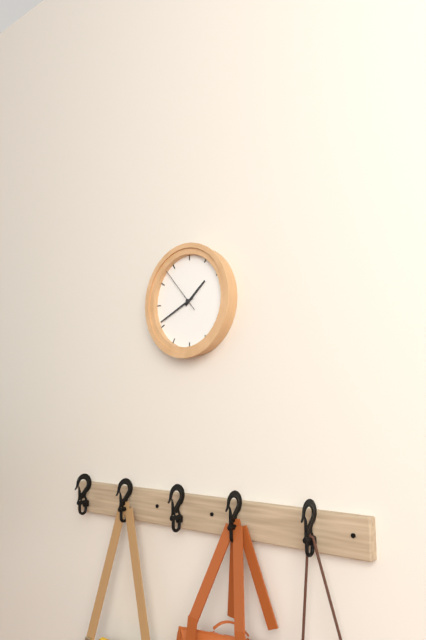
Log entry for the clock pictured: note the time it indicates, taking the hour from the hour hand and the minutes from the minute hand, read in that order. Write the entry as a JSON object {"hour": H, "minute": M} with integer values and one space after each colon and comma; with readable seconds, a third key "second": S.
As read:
{"hour": 1, "minute": 41}
